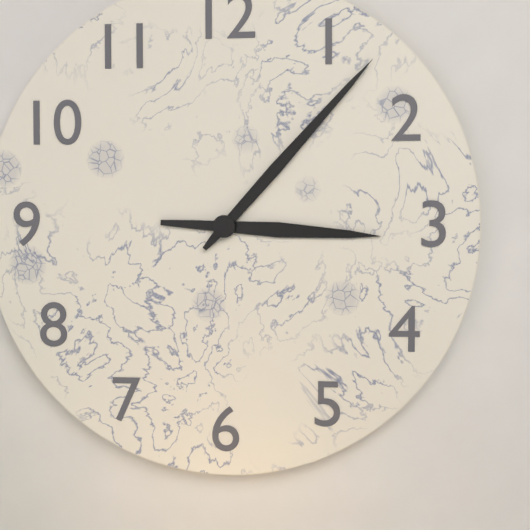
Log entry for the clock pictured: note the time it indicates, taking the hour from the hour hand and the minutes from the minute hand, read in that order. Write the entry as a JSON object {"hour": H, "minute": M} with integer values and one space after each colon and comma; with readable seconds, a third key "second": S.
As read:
{"hour": 3, "minute": 7}
